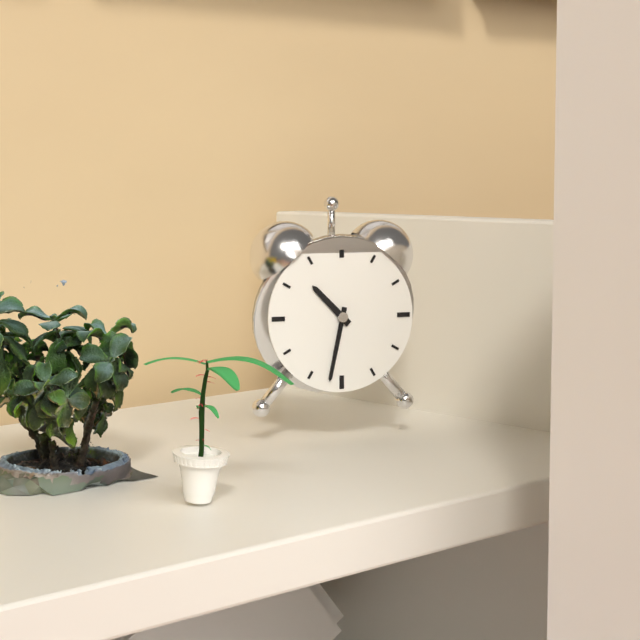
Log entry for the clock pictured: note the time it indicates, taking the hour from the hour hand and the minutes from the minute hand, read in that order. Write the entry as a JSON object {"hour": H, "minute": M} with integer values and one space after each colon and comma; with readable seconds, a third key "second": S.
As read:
{"hour": 10, "minute": 32}
